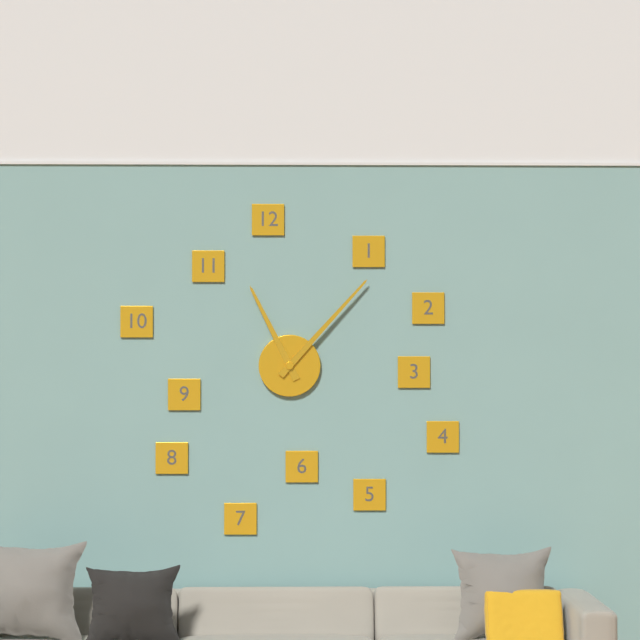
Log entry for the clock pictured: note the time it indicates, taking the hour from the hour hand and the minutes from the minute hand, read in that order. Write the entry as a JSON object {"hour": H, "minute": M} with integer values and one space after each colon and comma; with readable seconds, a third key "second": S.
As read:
{"hour": 11, "minute": 7}
